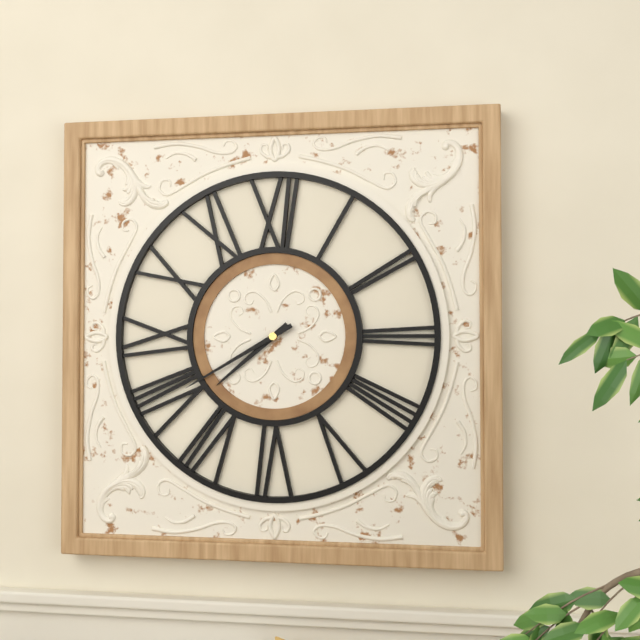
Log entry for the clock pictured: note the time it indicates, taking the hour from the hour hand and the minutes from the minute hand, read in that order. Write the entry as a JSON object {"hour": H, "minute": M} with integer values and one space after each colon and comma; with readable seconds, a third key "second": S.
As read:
{"hour": 7, "minute": 40}
